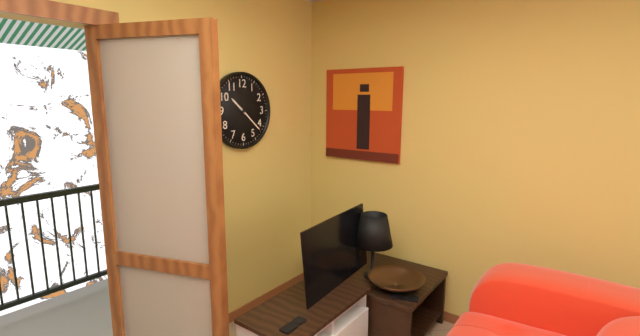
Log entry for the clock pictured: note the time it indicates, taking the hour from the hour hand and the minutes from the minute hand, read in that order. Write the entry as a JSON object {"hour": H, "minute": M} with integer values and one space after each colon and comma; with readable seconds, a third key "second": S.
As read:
{"hour": 10, "minute": 22}
